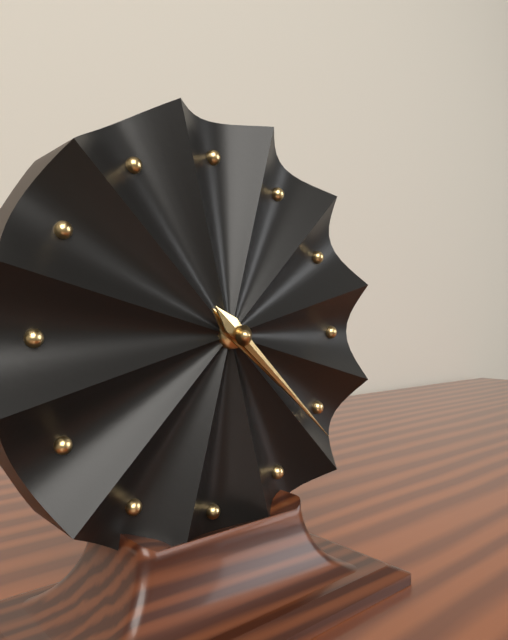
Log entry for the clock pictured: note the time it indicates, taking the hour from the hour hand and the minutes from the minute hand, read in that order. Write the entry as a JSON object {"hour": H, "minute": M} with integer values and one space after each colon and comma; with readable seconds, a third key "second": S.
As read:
{"hour": 4, "minute": 22}
